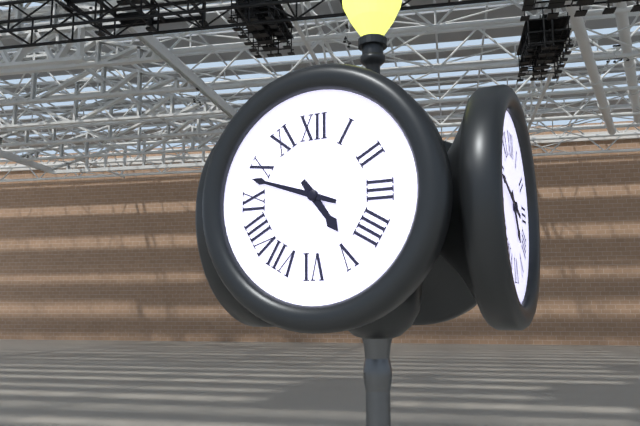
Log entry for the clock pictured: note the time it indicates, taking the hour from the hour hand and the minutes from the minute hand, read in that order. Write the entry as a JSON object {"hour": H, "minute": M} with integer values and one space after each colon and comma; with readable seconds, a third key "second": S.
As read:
{"hour": 4, "minute": 48}
